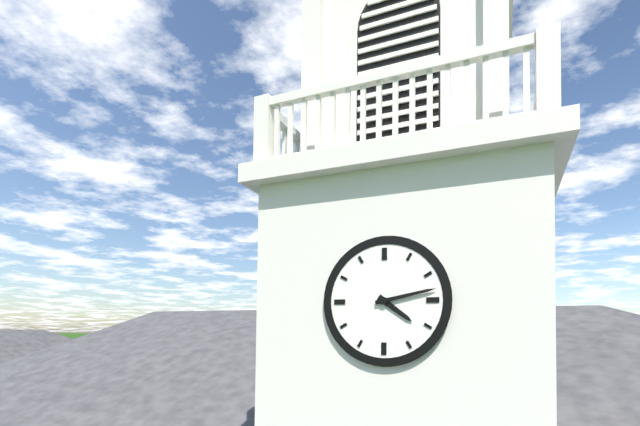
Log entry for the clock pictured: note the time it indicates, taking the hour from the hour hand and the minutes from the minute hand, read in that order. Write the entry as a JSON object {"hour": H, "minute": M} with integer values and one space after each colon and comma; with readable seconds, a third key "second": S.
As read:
{"hour": 4, "minute": 13}
